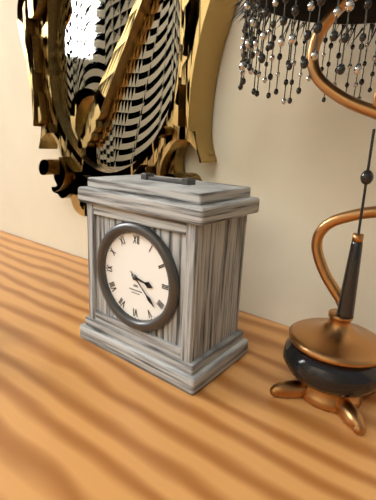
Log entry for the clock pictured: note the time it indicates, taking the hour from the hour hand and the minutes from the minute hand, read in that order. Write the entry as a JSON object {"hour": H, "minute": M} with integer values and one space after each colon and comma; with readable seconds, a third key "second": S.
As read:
{"hour": 3, "minute": 22}
